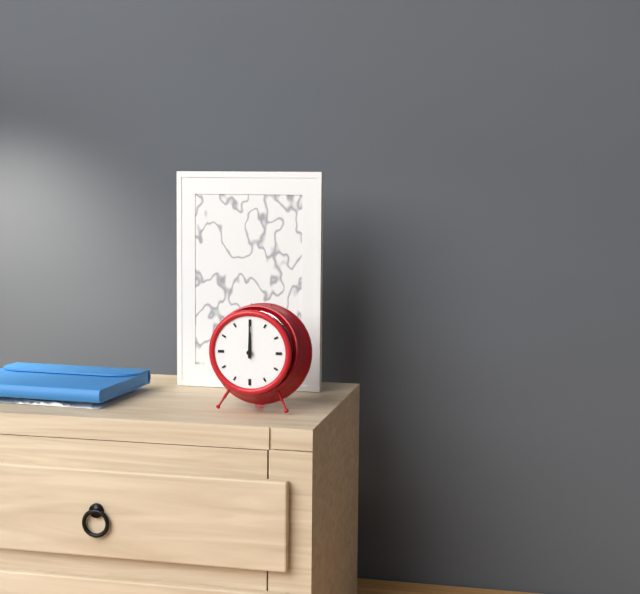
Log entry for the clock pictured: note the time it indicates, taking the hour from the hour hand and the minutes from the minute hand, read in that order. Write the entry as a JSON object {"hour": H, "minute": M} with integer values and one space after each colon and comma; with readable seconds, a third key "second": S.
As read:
{"hour": 12, "minute": 0}
